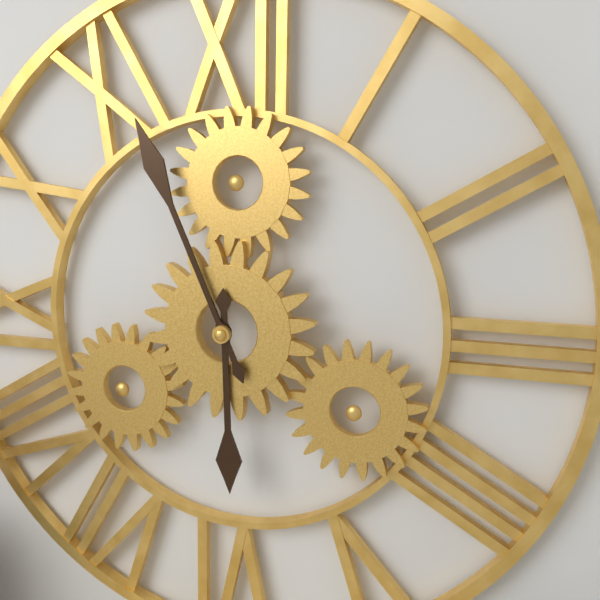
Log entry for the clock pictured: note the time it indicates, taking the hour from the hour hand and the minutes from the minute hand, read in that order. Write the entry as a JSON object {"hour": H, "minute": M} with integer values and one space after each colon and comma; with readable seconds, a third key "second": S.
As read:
{"hour": 5, "minute": 56}
